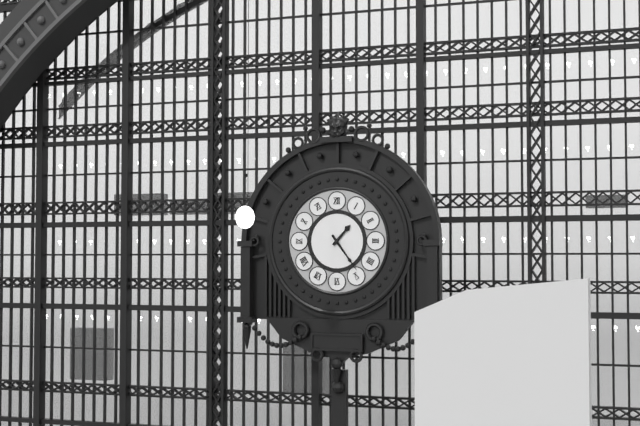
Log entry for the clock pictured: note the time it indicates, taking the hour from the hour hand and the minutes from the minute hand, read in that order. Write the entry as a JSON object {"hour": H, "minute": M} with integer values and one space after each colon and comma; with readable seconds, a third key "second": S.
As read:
{"hour": 1, "minute": 24}
